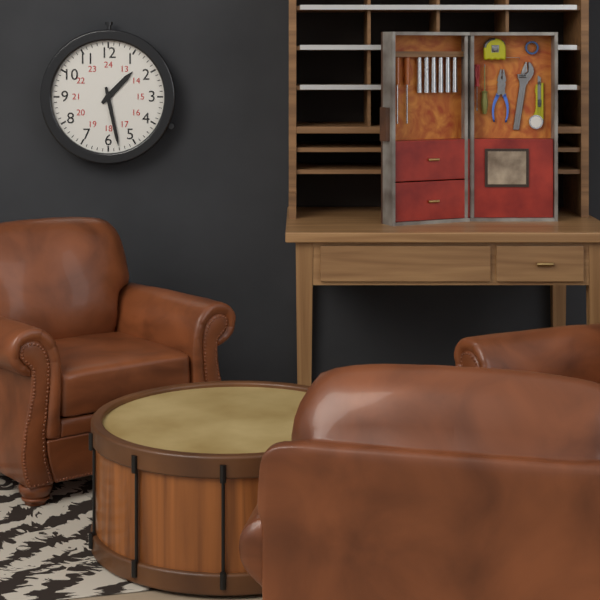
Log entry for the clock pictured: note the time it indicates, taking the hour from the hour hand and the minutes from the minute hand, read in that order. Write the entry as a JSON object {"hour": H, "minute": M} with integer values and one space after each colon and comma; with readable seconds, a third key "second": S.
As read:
{"hour": 1, "minute": 28}
